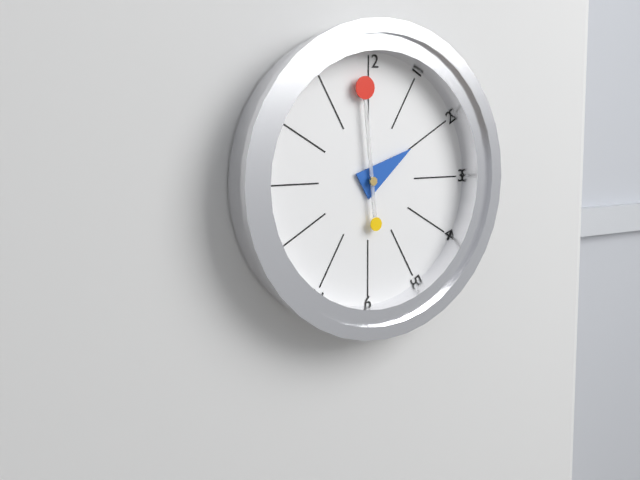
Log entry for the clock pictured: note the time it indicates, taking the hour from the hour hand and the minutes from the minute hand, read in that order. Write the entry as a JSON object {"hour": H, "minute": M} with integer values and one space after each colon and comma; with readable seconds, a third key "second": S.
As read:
{"hour": 1, "minute": 59}
